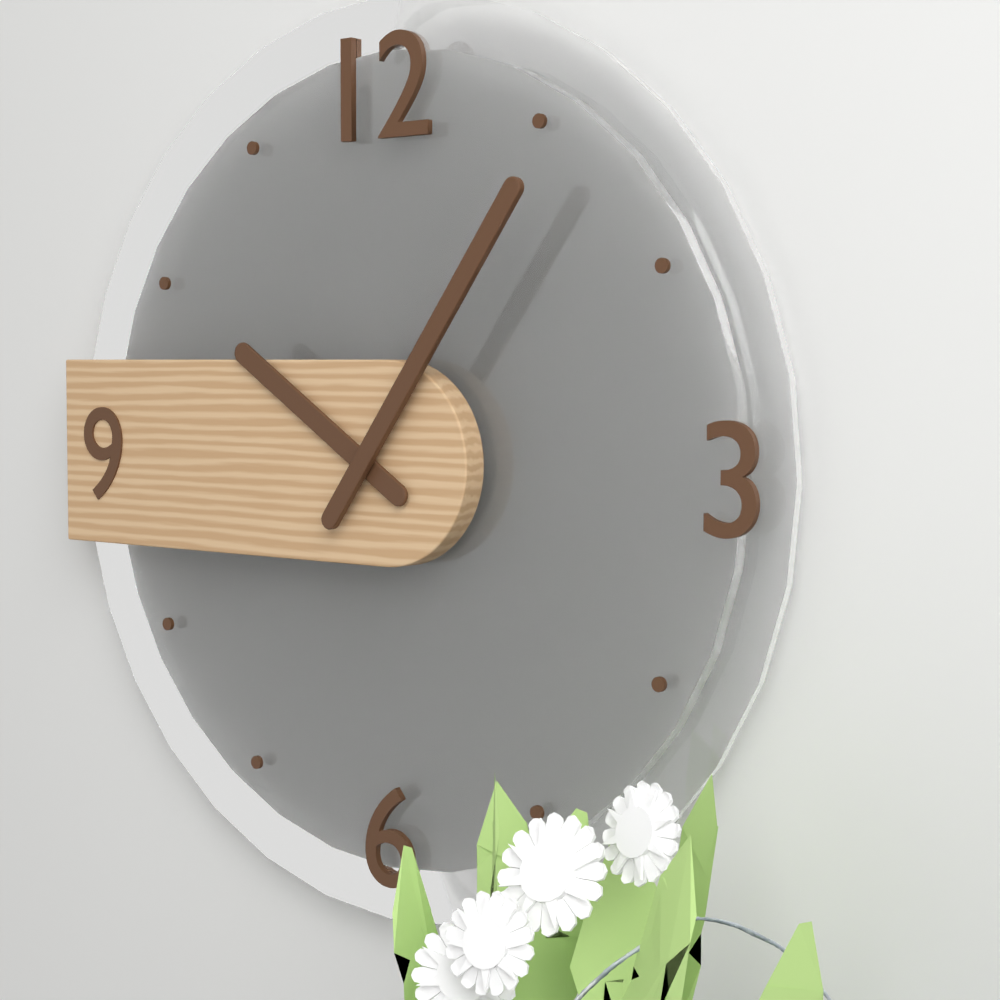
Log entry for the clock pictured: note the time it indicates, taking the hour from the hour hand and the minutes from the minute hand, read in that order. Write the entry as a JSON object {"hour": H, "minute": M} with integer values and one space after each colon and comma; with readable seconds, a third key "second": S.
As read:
{"hour": 10, "minute": 6}
